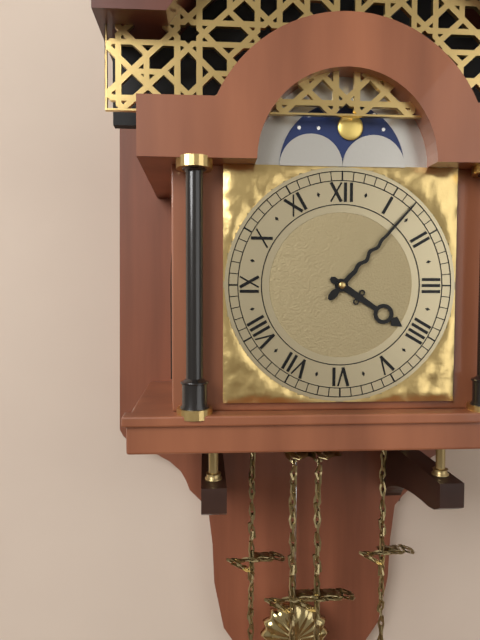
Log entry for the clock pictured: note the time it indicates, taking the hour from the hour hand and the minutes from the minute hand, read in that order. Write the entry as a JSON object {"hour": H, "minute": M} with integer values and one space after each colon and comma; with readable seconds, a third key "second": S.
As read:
{"hour": 4, "minute": 7}
